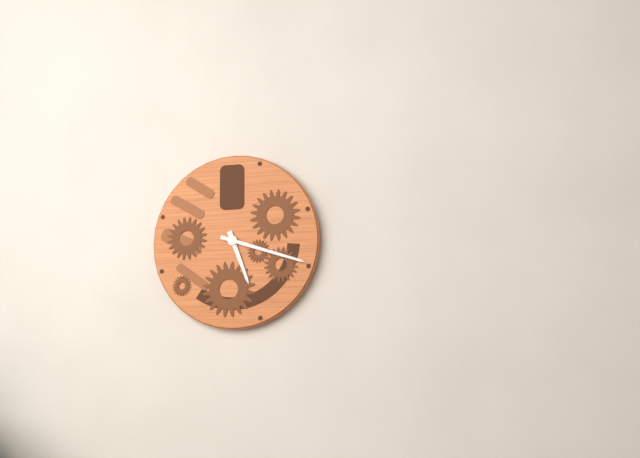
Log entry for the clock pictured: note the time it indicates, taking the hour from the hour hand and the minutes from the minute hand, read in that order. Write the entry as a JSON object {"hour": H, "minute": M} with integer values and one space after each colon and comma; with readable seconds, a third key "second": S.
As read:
{"hour": 5, "minute": 18}
